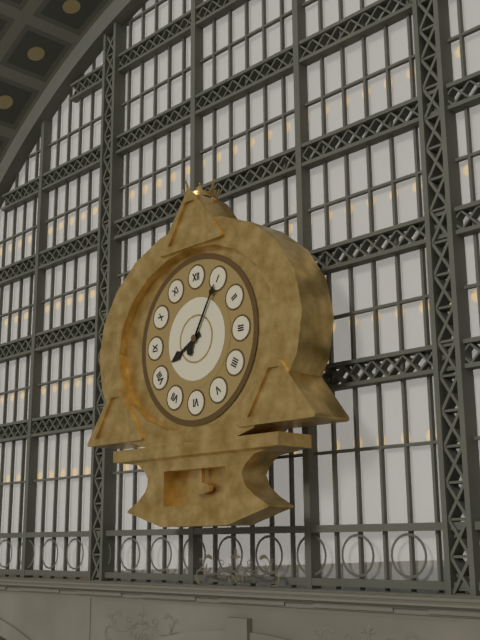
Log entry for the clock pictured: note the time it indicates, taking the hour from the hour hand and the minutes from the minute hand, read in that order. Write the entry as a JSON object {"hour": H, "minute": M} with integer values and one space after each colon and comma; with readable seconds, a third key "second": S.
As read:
{"hour": 8, "minute": 5}
